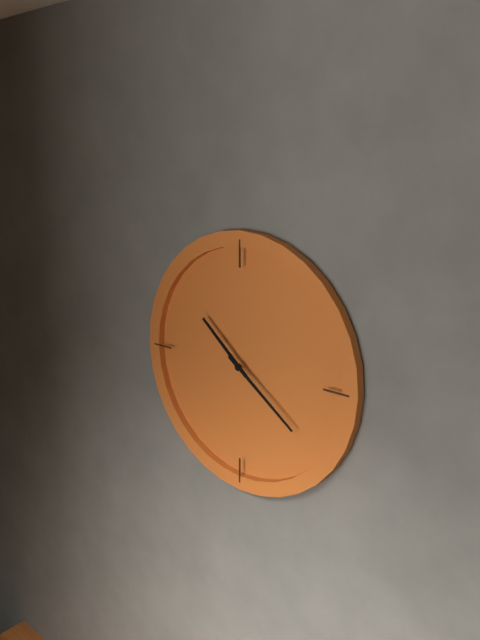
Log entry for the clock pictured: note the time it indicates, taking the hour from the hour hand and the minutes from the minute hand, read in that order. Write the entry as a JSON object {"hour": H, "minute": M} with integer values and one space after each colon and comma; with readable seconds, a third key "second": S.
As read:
{"hour": 10, "minute": 21}
